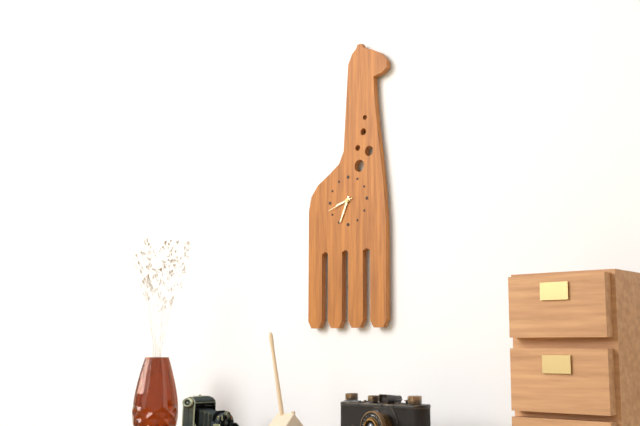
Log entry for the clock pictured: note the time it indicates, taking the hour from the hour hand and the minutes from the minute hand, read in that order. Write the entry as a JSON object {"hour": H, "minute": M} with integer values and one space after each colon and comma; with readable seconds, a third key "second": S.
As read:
{"hour": 8, "minute": 34}
